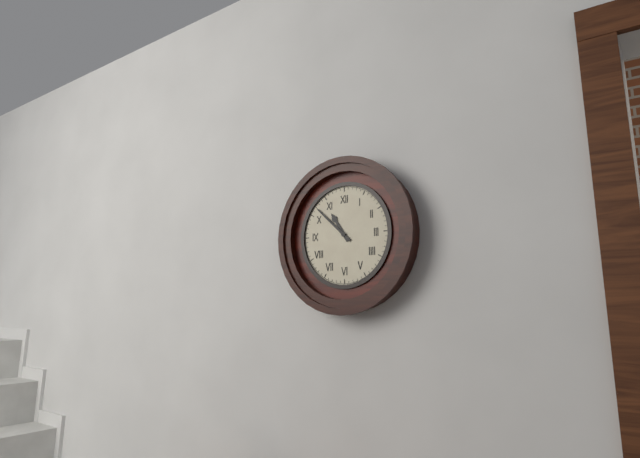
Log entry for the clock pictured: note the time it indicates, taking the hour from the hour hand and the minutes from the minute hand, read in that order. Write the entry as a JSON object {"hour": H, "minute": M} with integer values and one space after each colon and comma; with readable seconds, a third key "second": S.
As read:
{"hour": 10, "minute": 52}
